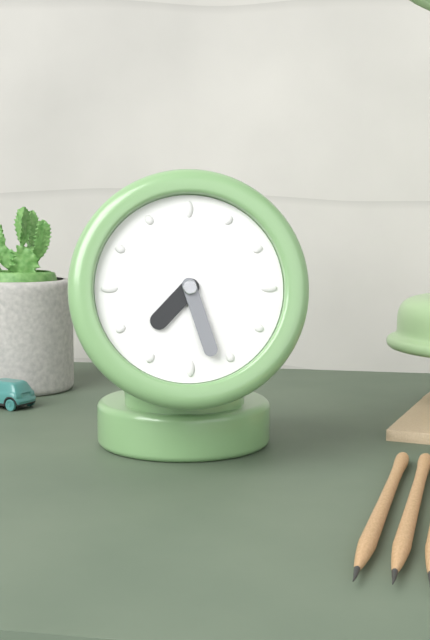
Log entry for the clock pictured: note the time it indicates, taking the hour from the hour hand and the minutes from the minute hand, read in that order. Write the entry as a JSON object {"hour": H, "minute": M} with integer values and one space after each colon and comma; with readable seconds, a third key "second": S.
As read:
{"hour": 7, "minute": 27}
